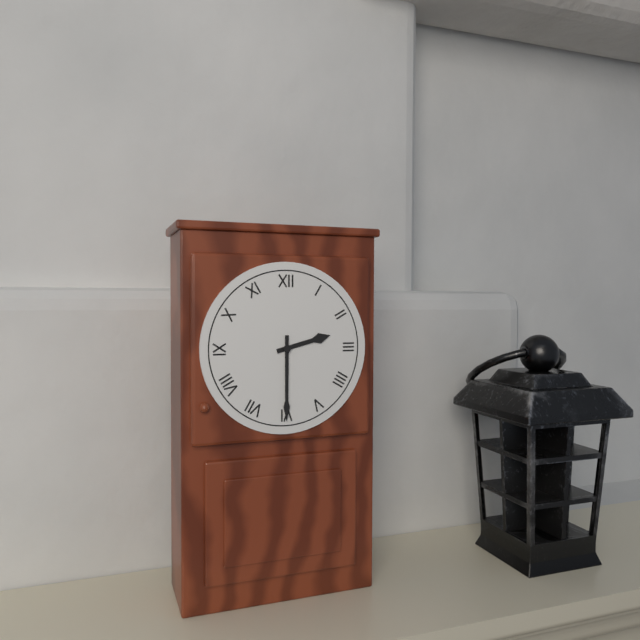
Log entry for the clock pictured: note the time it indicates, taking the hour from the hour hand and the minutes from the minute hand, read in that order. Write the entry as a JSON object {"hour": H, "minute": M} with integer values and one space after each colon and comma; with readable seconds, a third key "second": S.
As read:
{"hour": 2, "minute": 30}
